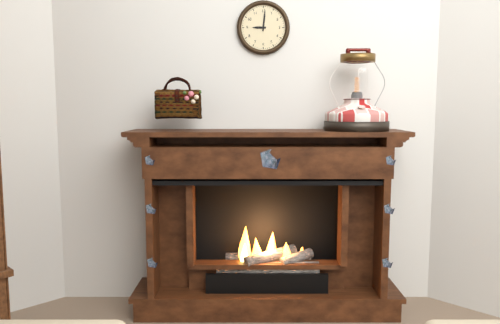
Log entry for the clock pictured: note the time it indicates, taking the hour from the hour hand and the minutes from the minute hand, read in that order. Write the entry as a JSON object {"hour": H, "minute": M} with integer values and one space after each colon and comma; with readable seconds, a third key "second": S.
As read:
{"hour": 9, "minute": 1}
